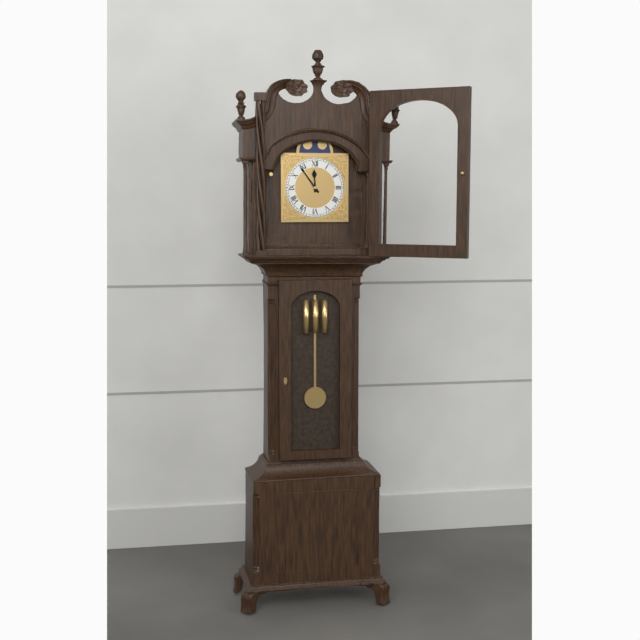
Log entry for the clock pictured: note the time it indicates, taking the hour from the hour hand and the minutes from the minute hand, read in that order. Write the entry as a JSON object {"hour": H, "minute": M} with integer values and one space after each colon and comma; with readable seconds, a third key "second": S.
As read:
{"hour": 11, "minute": 54}
